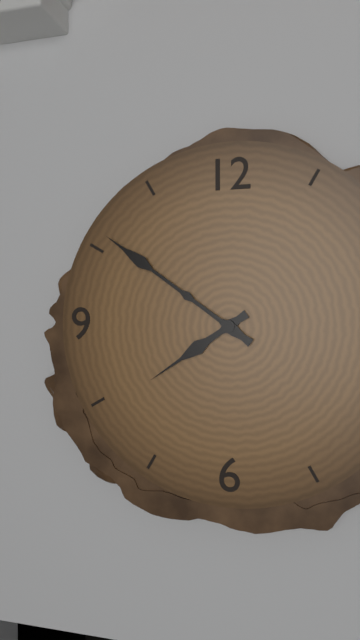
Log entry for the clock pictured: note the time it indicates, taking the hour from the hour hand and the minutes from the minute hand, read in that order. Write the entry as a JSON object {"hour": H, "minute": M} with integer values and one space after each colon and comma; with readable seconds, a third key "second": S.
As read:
{"hour": 7, "minute": 51}
